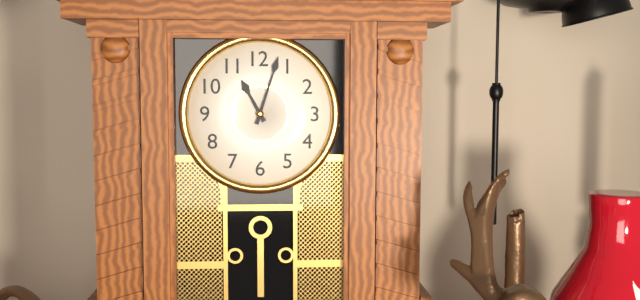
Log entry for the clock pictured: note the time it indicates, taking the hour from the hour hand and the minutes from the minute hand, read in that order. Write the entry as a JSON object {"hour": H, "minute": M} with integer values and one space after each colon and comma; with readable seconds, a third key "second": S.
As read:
{"hour": 11, "minute": 3}
